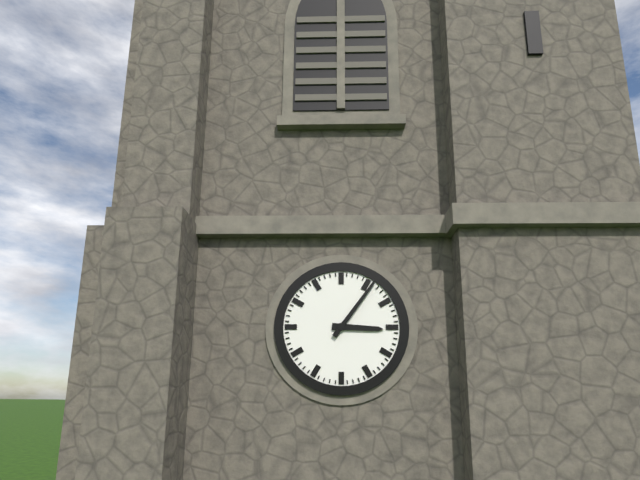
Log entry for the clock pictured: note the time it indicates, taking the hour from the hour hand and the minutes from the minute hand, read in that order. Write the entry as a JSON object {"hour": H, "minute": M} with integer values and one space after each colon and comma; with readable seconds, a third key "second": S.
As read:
{"hour": 3, "minute": 6}
